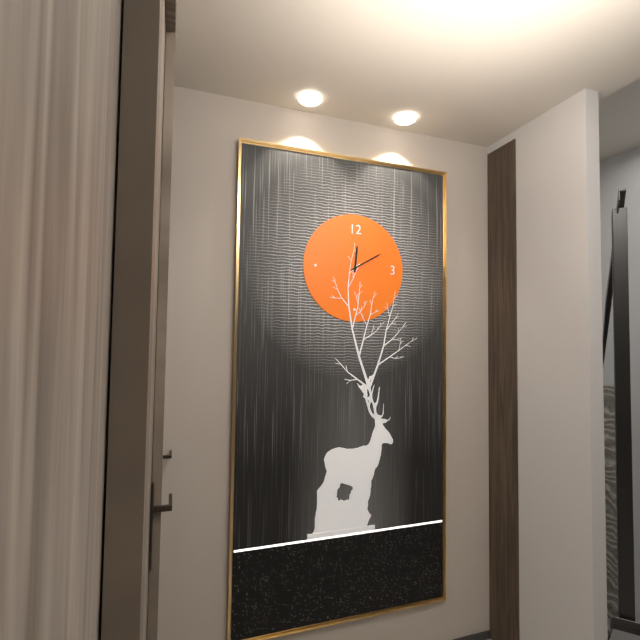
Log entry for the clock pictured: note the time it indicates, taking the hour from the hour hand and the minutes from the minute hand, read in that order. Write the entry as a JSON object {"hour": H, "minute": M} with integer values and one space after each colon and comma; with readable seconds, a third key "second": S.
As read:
{"hour": 12, "minute": 10}
